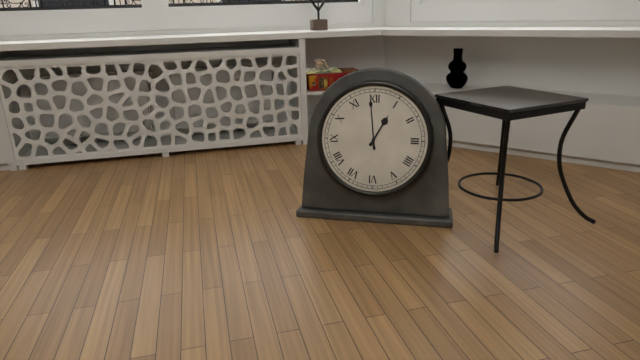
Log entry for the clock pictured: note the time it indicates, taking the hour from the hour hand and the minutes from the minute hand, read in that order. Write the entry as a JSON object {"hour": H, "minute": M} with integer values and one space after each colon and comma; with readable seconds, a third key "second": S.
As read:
{"hour": 12, "minute": 59}
